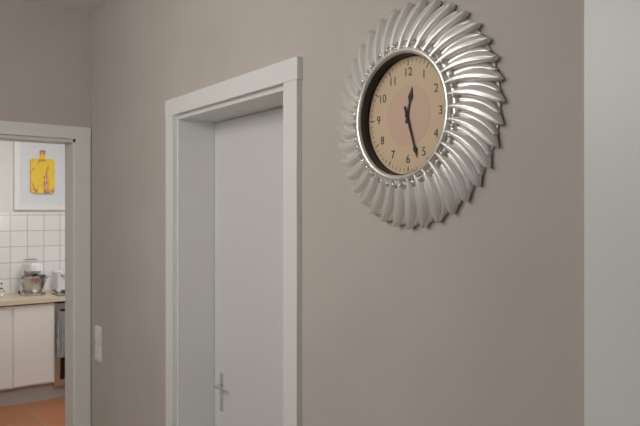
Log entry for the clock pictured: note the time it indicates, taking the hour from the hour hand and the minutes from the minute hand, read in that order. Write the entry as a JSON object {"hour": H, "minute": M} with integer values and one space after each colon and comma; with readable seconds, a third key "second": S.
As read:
{"hour": 12, "minute": 27}
